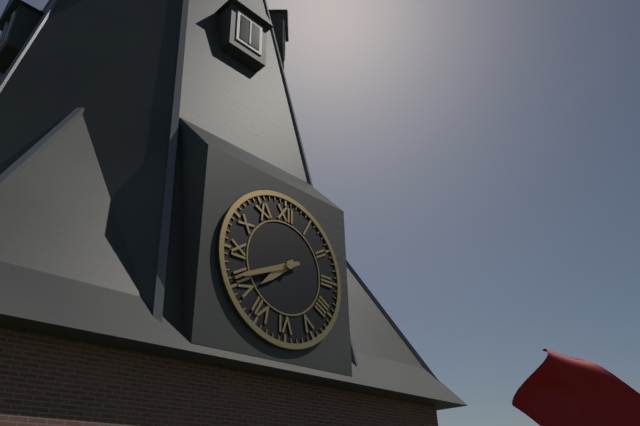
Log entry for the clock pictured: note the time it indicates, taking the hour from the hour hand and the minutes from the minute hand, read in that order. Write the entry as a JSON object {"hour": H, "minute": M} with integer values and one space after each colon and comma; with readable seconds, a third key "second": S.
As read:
{"hour": 7, "minute": 41}
